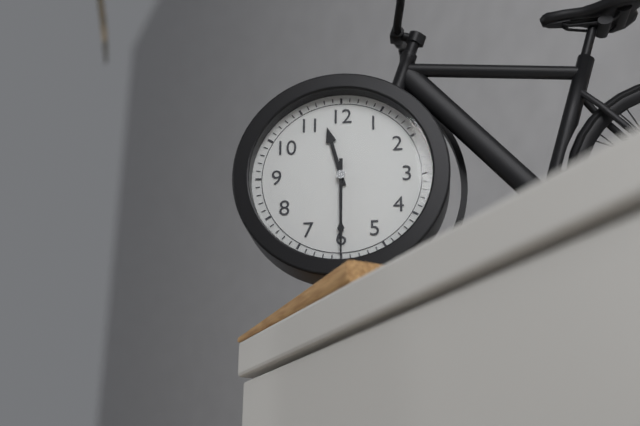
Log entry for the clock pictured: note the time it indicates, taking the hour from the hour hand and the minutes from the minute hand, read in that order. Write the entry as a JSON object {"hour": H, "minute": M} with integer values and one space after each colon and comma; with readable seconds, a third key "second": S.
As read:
{"hour": 11, "minute": 30}
